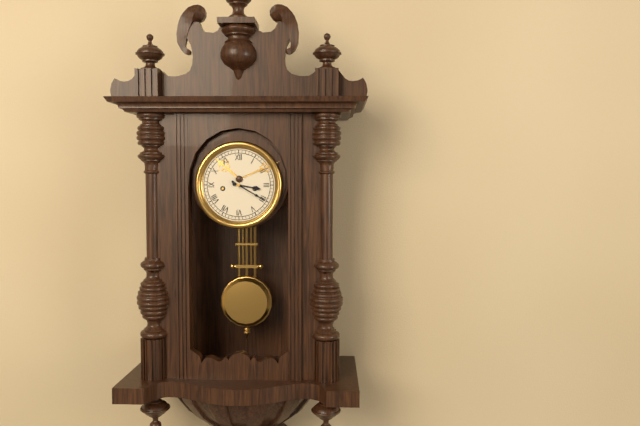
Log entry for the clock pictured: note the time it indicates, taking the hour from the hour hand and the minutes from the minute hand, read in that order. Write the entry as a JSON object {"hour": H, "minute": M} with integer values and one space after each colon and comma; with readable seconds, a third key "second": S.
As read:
{"hour": 3, "minute": 20}
